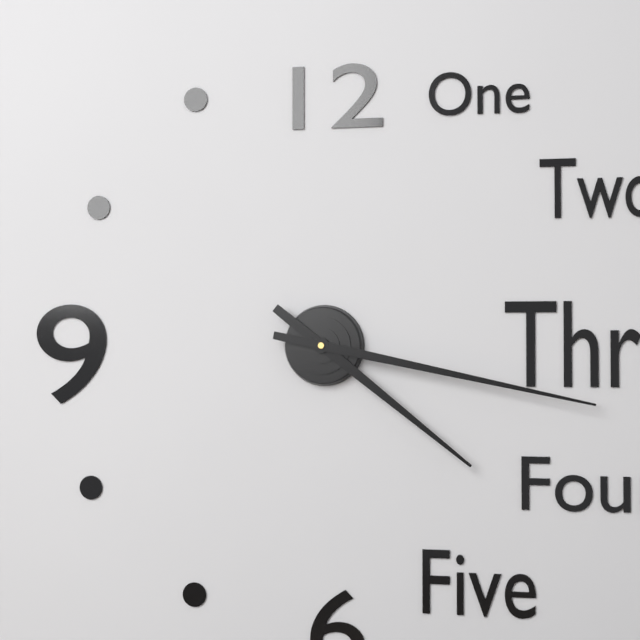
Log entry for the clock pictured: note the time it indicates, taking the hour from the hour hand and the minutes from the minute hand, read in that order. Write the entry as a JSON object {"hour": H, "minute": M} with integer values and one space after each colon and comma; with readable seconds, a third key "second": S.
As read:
{"hour": 4, "minute": 17}
